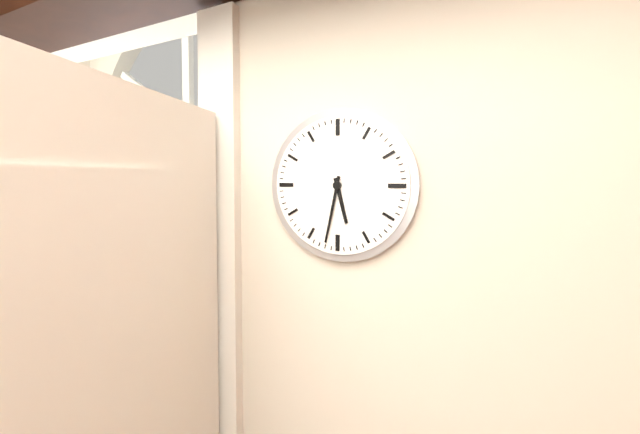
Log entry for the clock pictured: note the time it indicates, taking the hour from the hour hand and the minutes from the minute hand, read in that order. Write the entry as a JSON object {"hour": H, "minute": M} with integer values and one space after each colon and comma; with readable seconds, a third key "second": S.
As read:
{"hour": 5, "minute": 32}
